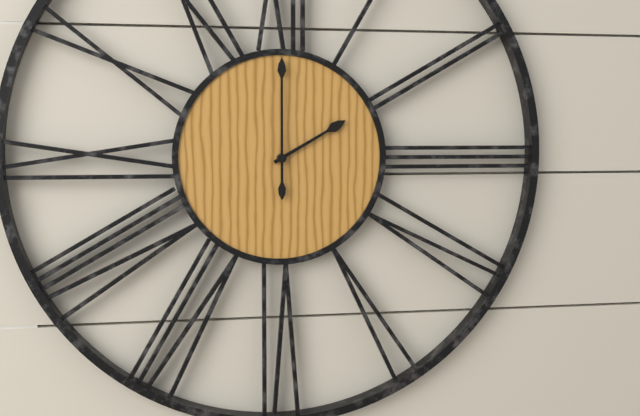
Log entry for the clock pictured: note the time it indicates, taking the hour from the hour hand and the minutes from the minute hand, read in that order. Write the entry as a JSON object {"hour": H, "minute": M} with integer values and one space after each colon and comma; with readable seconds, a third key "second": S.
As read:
{"hour": 2, "minute": 0}
